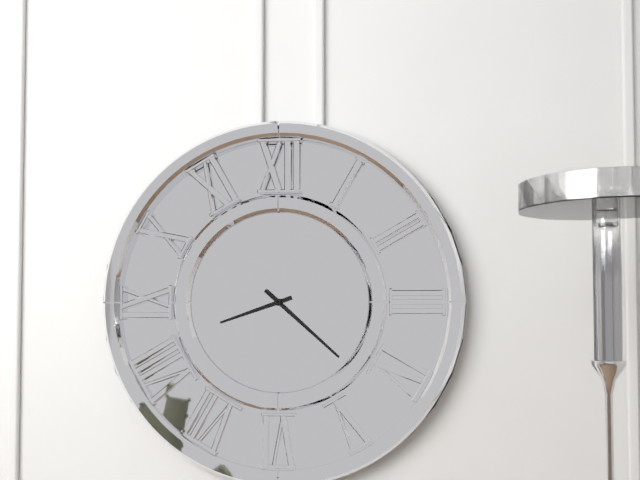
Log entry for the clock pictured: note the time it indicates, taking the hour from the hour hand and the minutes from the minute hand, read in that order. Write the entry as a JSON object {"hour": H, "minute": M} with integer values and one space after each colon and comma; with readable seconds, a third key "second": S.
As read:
{"hour": 8, "minute": 22}
